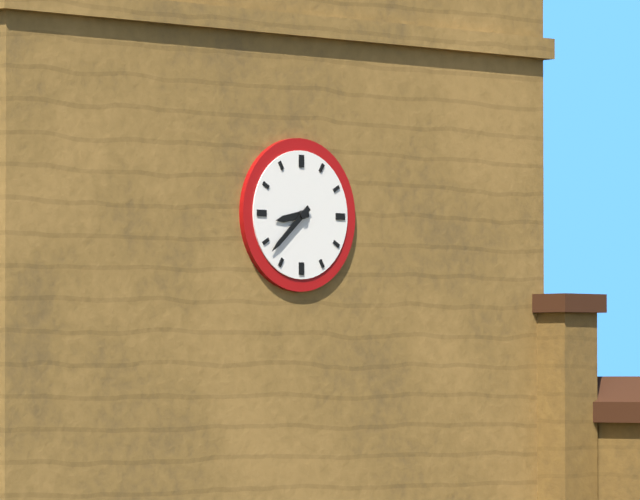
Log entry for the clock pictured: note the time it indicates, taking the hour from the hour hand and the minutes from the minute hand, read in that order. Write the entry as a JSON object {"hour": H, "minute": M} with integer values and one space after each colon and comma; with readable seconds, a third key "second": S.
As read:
{"hour": 8, "minute": 38}
